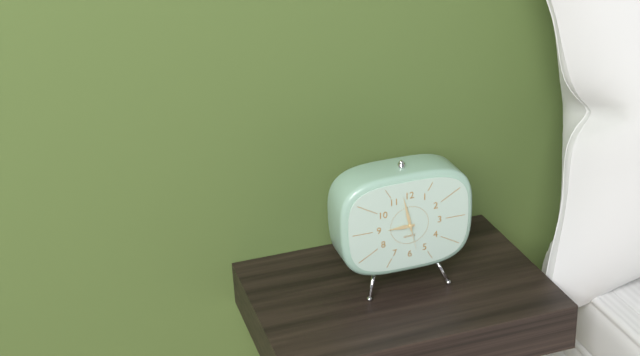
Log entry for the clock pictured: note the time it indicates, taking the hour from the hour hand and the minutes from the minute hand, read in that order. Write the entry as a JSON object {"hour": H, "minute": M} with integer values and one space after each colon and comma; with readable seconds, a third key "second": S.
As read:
{"hour": 8, "minute": 58}
